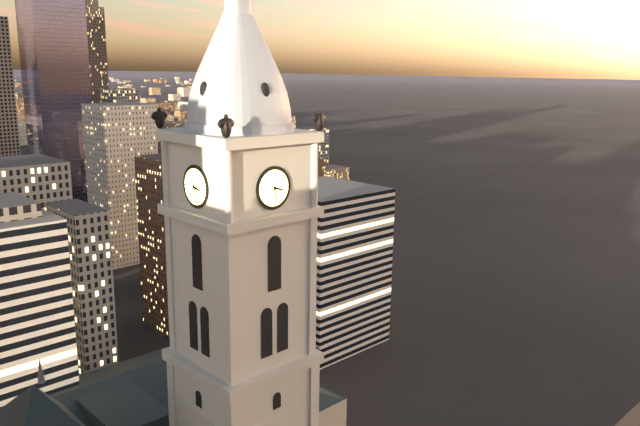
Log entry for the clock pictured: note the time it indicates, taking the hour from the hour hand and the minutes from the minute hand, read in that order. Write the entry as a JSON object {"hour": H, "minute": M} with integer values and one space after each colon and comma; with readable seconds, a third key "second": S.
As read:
{"hour": 3, "minute": 28}
